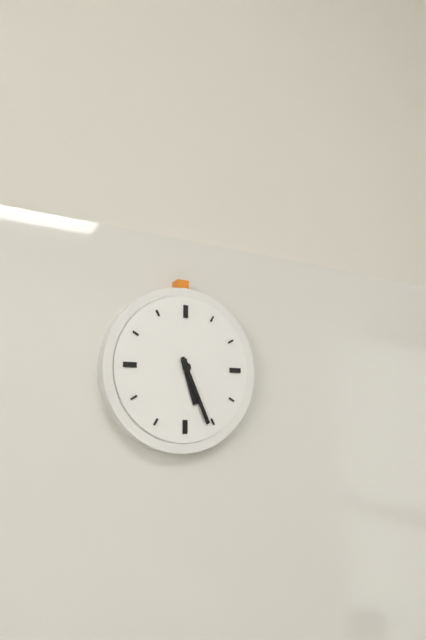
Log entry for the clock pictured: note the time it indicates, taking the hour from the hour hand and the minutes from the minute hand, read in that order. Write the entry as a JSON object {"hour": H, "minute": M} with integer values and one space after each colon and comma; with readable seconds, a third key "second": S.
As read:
{"hour": 5, "minute": 26}
